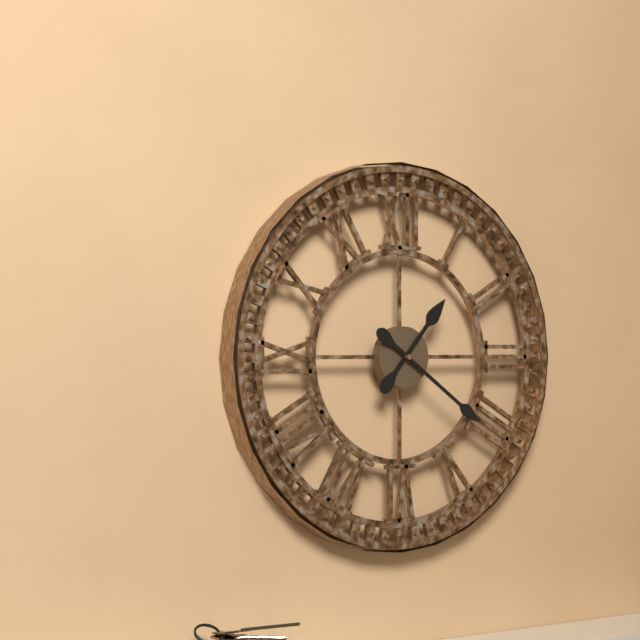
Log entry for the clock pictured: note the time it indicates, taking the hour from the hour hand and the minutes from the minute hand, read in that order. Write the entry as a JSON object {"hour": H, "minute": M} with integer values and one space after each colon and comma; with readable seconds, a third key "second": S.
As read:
{"hour": 1, "minute": 21}
